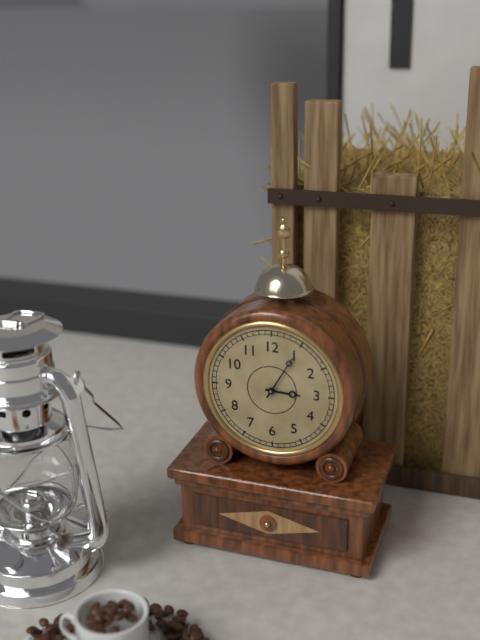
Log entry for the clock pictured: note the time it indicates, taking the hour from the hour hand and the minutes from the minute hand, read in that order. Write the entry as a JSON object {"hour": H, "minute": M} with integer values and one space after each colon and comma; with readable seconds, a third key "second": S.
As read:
{"hour": 3, "minute": 5}
